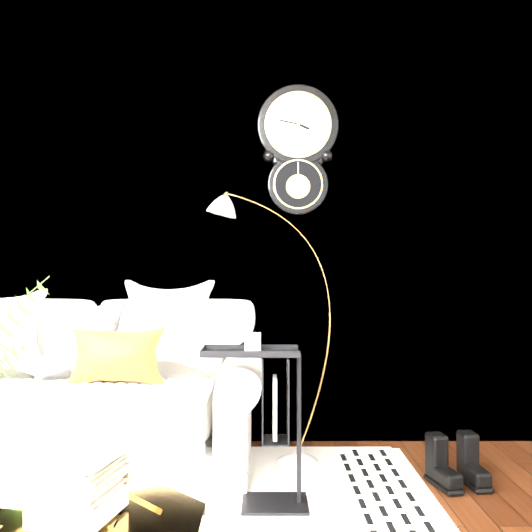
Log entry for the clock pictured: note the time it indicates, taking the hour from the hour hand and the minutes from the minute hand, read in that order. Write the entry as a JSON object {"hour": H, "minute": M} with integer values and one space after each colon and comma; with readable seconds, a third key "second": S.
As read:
{"hour": 3, "minute": 47}
